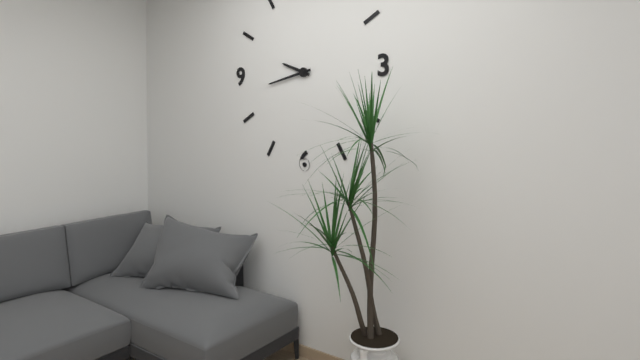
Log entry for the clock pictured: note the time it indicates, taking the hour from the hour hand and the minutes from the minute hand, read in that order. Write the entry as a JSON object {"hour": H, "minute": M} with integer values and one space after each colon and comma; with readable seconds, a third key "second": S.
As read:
{"hour": 9, "minute": 43}
